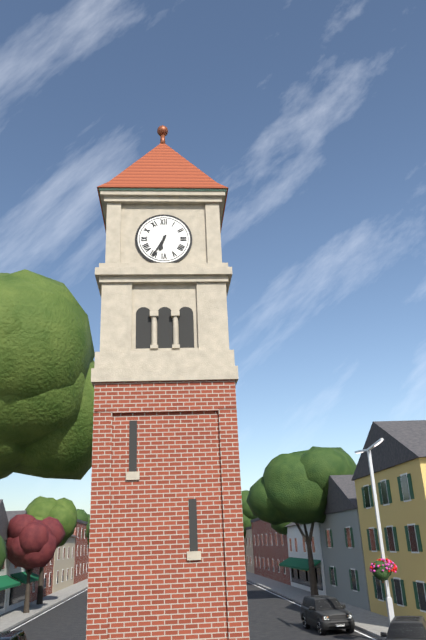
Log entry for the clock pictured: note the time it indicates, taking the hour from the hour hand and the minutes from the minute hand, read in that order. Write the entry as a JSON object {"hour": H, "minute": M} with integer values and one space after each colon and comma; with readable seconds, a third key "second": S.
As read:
{"hour": 6, "minute": 35}
